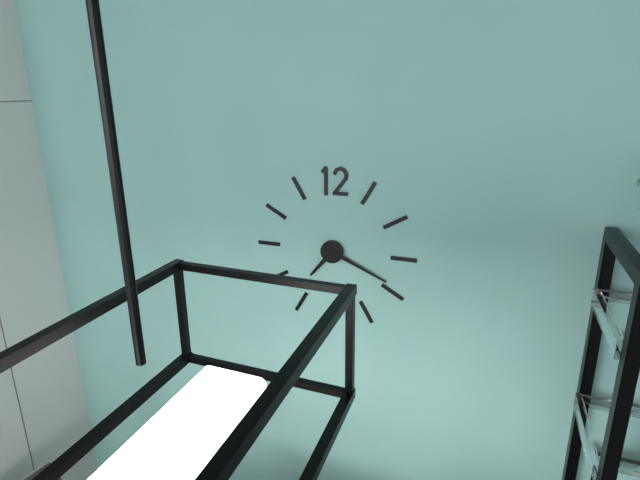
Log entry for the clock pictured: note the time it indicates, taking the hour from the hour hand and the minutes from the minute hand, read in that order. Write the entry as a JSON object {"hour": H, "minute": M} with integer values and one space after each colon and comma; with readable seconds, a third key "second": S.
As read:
{"hour": 7, "minute": 19}
